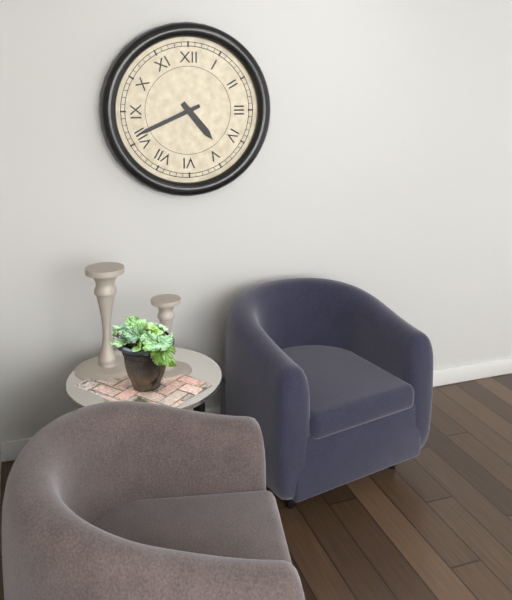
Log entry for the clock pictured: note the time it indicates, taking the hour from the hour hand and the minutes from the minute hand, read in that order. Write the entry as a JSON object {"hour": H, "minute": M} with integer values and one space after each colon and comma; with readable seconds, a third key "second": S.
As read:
{"hour": 4, "minute": 41}
